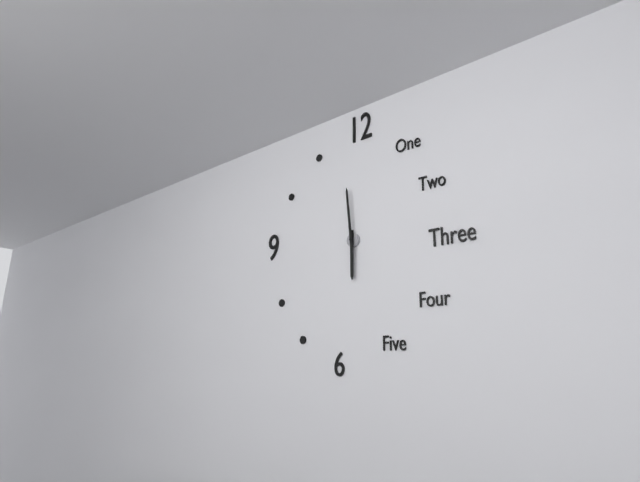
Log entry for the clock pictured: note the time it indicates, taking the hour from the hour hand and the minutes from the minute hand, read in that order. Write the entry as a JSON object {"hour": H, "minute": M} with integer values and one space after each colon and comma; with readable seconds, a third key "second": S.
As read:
{"hour": 5, "minute": 59}
